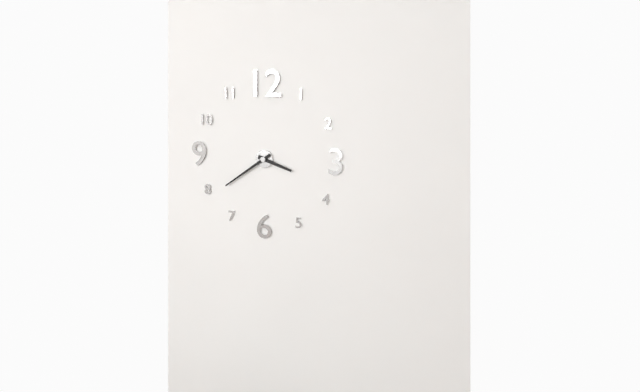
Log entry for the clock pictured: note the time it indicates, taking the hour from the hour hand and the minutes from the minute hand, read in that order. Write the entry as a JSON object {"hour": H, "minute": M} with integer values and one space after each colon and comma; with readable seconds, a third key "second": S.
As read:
{"hour": 3, "minute": 39}
